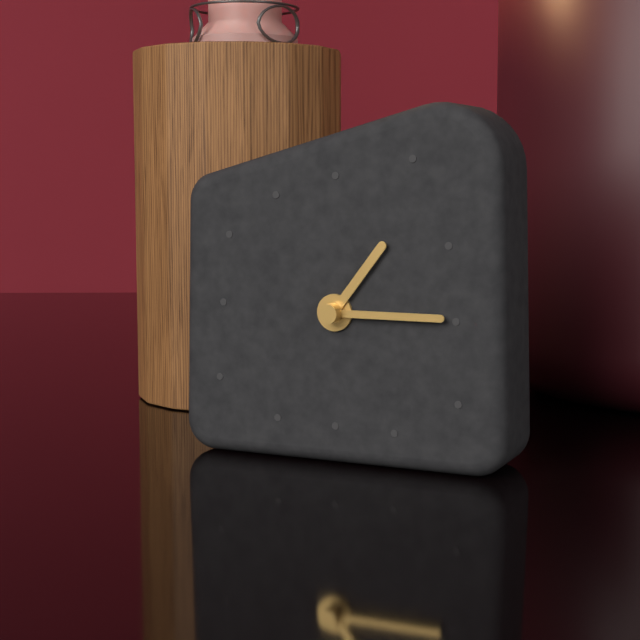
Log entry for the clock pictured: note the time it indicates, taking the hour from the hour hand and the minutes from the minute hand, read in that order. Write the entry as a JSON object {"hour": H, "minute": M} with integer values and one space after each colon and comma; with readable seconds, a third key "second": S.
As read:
{"hour": 1, "minute": 15}
